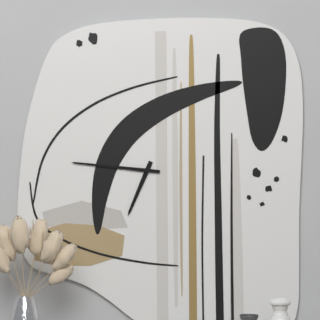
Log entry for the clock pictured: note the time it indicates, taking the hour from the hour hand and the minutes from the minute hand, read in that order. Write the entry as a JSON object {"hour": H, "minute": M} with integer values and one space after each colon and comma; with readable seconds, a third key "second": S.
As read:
{"hour": 6, "minute": 46}
